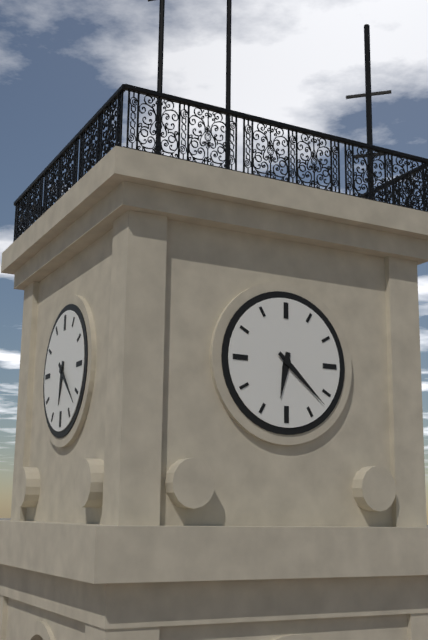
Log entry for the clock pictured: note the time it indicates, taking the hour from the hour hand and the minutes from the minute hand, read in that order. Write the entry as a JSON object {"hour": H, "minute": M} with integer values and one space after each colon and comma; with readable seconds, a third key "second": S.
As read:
{"hour": 6, "minute": 22}
